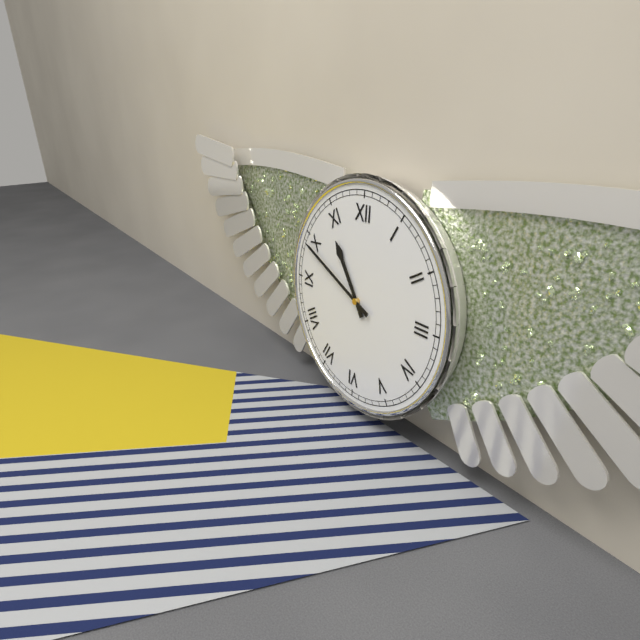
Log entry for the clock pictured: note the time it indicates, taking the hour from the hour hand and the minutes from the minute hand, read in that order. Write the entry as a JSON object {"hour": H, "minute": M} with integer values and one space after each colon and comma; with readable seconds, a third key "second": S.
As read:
{"hour": 10, "minute": 49}
